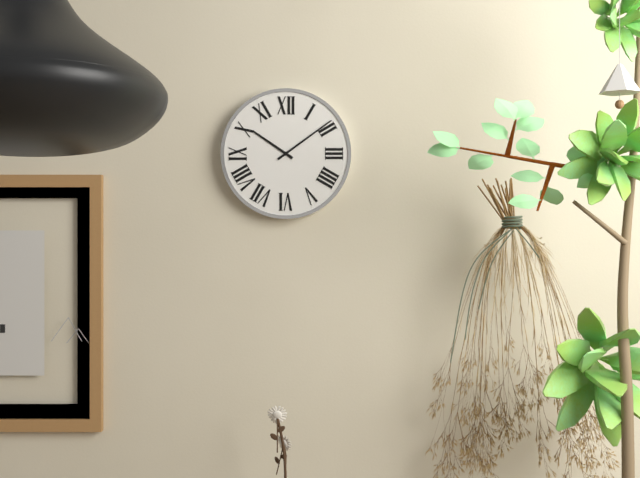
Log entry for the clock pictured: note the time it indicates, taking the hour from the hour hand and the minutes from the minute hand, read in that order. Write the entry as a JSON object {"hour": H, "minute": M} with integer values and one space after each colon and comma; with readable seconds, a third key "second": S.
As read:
{"hour": 10, "minute": 9}
